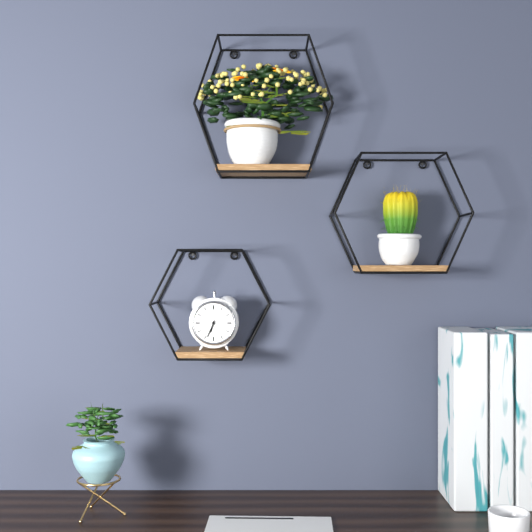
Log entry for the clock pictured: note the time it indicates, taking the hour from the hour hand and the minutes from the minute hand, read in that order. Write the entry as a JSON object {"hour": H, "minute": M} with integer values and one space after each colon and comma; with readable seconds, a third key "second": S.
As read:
{"hour": 6, "minute": 34}
